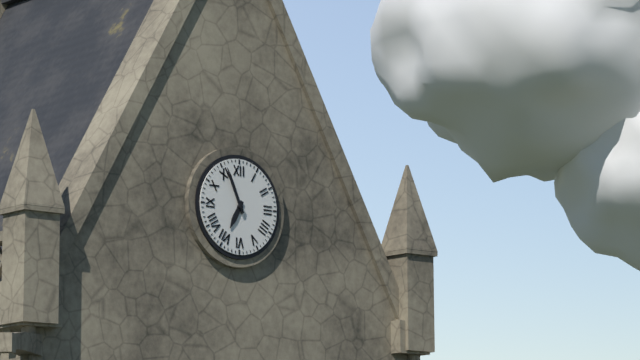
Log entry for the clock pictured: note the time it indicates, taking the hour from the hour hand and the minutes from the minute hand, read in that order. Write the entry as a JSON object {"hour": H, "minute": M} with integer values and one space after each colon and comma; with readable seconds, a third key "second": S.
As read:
{"hour": 6, "minute": 56}
